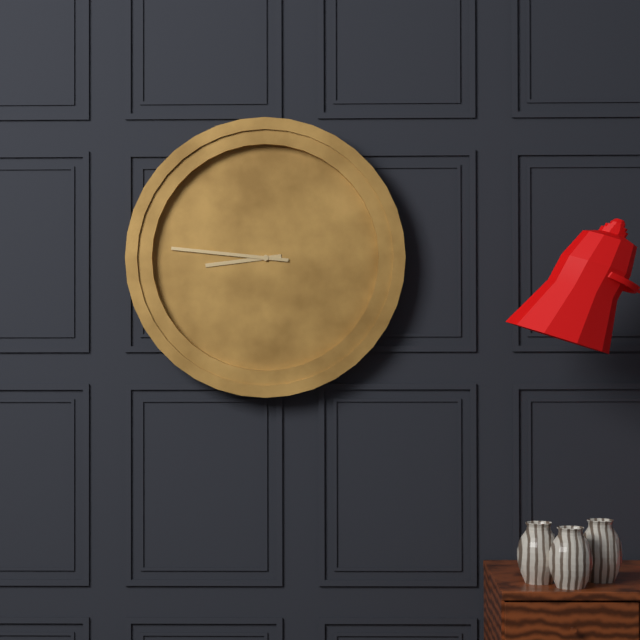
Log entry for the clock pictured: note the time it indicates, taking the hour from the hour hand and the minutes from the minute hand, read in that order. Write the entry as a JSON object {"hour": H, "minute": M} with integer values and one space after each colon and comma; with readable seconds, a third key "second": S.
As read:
{"hour": 8, "minute": 46}
